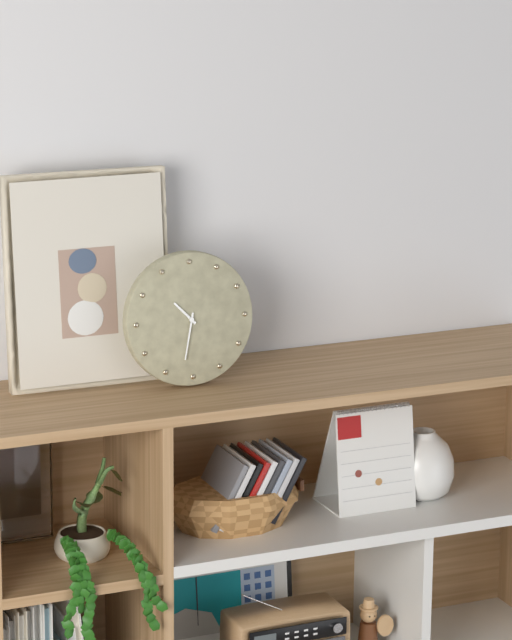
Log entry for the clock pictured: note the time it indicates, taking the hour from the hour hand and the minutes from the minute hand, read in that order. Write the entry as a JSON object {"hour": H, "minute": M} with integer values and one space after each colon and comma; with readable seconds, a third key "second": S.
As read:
{"hour": 10, "minute": 32}
